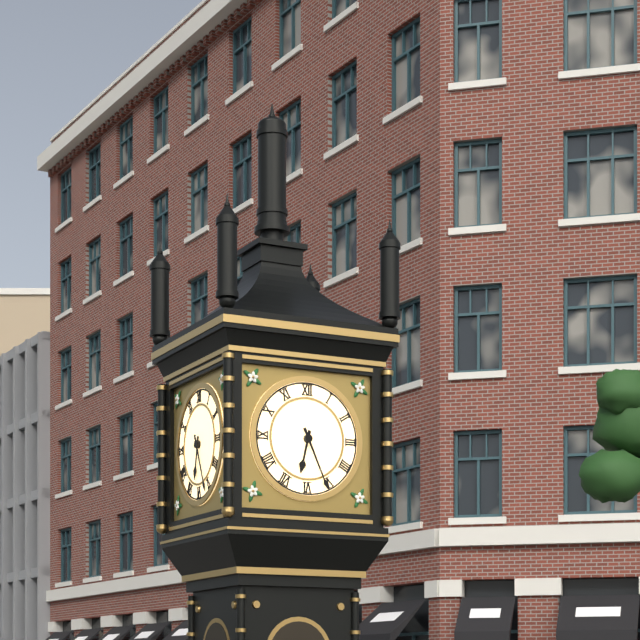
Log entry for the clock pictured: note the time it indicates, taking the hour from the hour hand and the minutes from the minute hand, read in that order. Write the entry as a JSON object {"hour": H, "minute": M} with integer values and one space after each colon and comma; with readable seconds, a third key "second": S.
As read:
{"hour": 6, "minute": 26}
